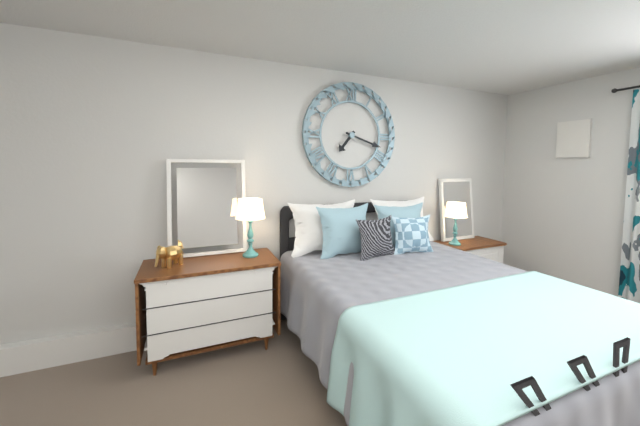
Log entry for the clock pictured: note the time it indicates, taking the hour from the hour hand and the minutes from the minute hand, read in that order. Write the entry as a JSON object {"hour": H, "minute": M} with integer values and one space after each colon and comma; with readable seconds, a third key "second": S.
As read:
{"hour": 7, "minute": 18}
